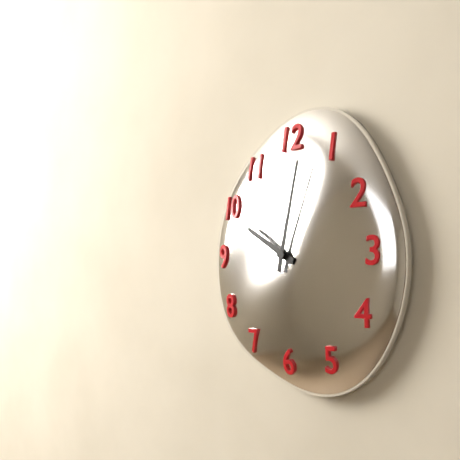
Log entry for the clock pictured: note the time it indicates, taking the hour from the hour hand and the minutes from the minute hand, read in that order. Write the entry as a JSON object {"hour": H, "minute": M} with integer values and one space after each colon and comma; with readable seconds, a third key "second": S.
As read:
{"hour": 10, "minute": 2}
